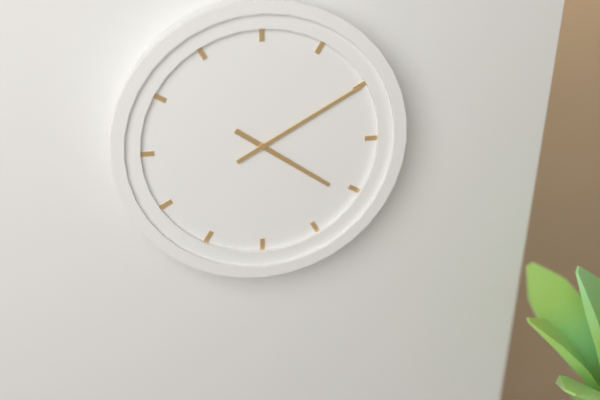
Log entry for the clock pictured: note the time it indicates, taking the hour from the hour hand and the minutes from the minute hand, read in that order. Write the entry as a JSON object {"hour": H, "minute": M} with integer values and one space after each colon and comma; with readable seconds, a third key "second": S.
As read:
{"hour": 4, "minute": 10}
